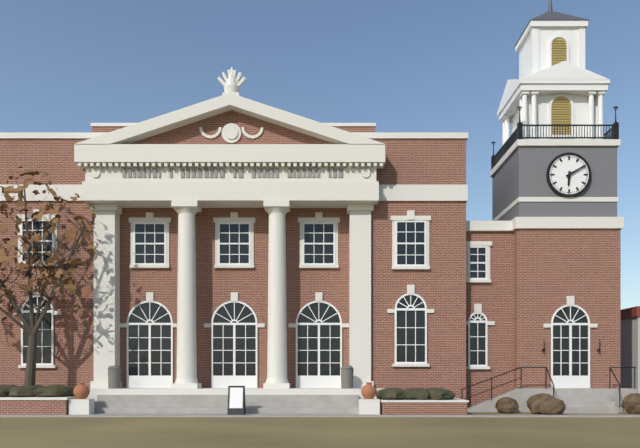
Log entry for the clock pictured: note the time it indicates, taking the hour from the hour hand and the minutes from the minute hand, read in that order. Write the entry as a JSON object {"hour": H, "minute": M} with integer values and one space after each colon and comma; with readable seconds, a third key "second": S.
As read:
{"hour": 6, "minute": 10}
